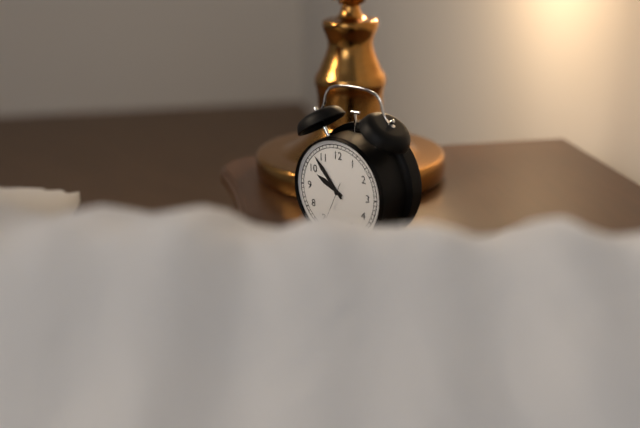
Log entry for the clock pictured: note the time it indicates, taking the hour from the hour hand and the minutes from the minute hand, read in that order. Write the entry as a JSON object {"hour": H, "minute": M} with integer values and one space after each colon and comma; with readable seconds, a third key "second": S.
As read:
{"hour": 9, "minute": 53}
